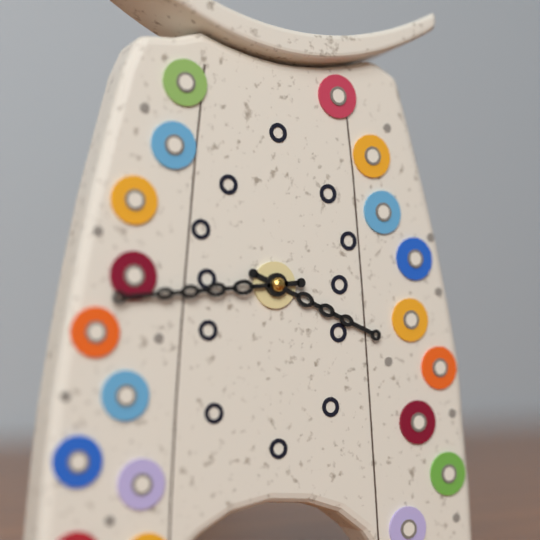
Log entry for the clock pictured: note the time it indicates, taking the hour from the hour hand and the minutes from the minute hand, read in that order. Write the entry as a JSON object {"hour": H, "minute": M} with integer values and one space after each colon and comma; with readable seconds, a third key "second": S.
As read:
{"hour": 3, "minute": 44}
